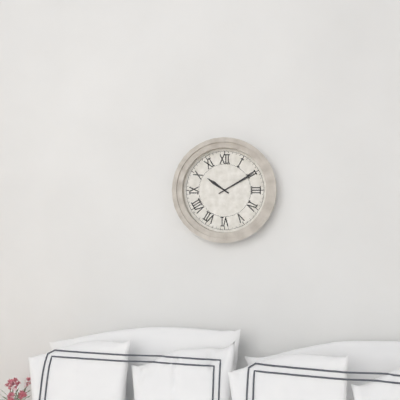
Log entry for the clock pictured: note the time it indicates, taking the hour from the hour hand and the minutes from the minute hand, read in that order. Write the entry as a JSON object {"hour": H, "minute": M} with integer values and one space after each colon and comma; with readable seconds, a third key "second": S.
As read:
{"hour": 10, "minute": 10}
